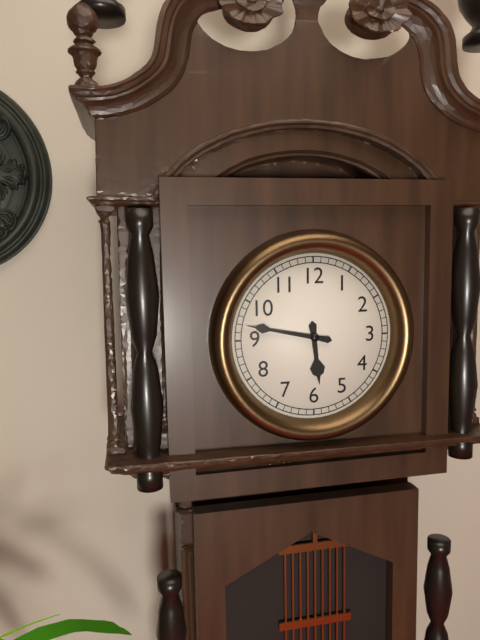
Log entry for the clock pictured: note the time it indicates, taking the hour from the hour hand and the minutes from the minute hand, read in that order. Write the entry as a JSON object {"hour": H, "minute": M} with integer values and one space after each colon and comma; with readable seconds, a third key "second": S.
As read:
{"hour": 5, "minute": 47}
